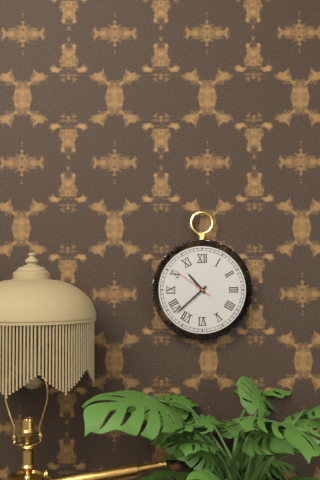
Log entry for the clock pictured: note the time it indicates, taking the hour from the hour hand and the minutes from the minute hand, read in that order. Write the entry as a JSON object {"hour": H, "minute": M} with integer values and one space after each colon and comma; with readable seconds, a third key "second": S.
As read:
{"hour": 10, "minute": 38}
